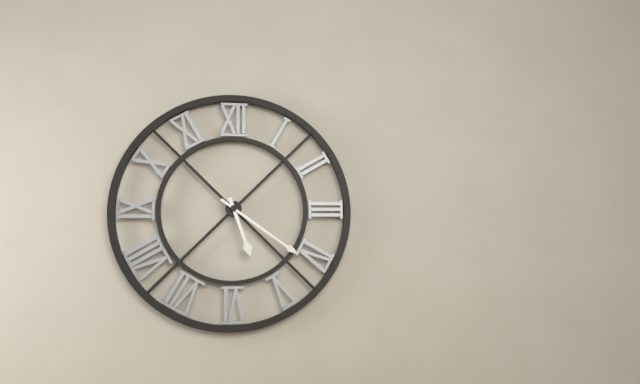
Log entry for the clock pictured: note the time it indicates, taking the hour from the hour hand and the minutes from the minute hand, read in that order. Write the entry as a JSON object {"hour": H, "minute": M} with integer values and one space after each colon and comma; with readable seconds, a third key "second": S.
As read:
{"hour": 5, "minute": 21}
